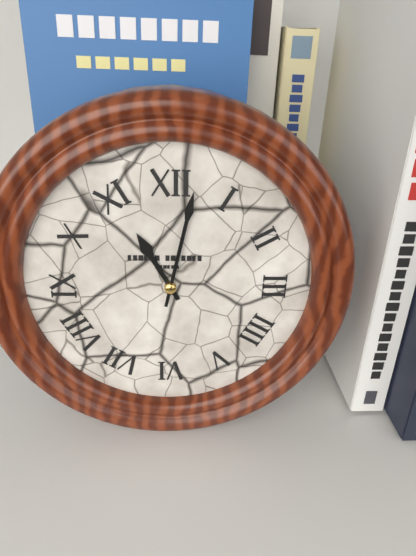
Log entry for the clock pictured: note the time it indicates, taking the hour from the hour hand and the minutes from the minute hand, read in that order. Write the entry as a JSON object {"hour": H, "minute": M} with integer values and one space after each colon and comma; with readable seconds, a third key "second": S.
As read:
{"hour": 11, "minute": 2}
